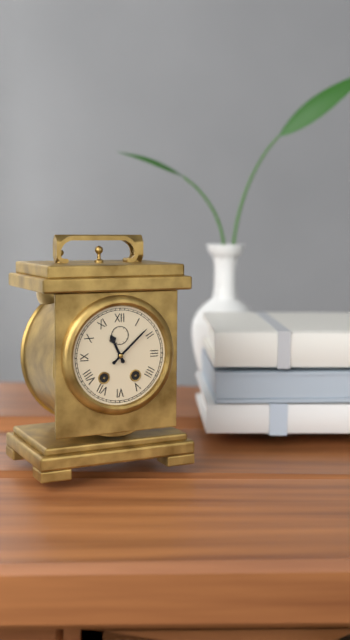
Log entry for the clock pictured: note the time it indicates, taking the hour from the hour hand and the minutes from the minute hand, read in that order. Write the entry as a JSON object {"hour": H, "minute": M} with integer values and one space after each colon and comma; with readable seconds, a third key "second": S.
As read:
{"hour": 11, "minute": 8}
